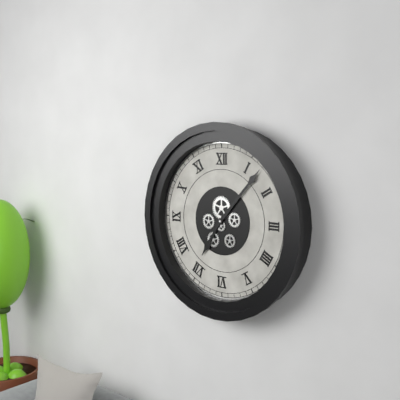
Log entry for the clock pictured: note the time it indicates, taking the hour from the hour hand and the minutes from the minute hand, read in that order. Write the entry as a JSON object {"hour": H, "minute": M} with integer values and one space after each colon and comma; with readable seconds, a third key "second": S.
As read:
{"hour": 7, "minute": 7}
